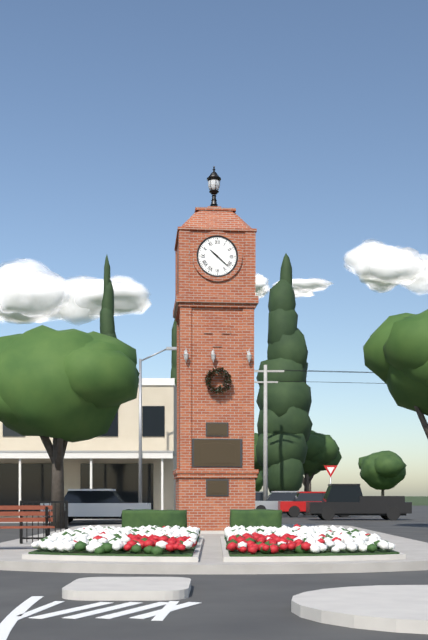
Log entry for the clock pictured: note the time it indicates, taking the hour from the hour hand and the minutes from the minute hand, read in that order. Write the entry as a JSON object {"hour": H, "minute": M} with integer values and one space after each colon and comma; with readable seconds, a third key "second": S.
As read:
{"hour": 10, "minute": 22}
